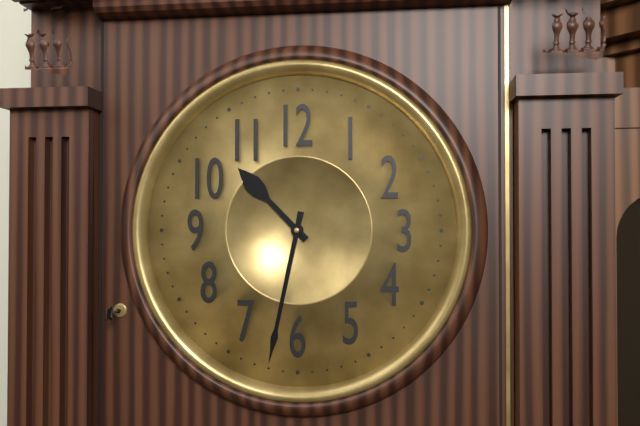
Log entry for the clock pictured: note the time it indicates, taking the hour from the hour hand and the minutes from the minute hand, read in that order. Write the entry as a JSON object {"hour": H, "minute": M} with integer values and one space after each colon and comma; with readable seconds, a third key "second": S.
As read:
{"hour": 10, "minute": 32}
